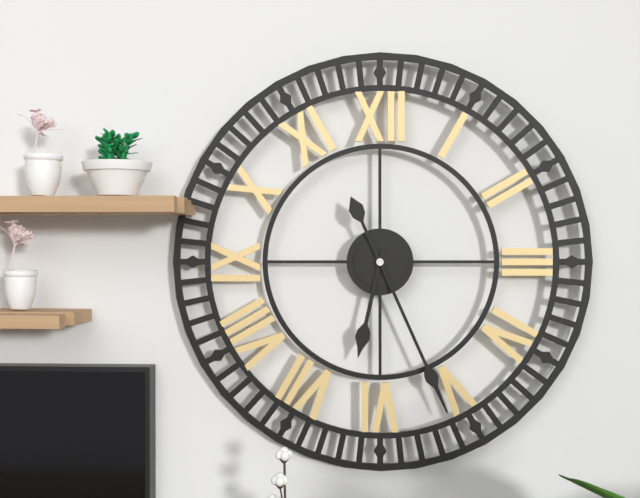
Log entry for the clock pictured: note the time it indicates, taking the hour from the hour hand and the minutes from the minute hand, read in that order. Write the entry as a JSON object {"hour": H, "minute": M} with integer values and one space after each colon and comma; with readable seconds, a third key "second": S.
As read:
{"hour": 6, "minute": 26}
